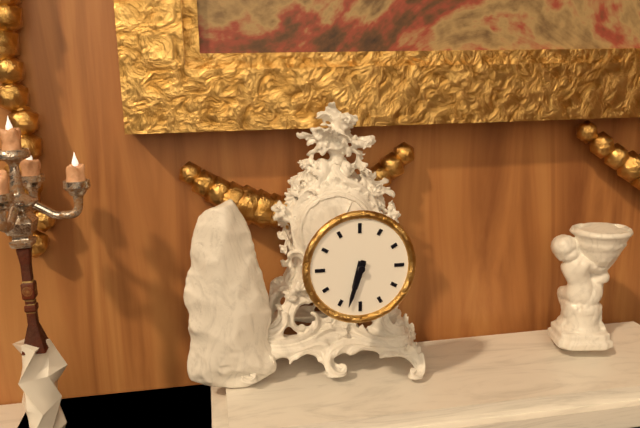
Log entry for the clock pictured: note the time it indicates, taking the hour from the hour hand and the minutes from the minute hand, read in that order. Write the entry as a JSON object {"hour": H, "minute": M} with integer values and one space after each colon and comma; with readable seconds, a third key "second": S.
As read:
{"hour": 6, "minute": 33}
